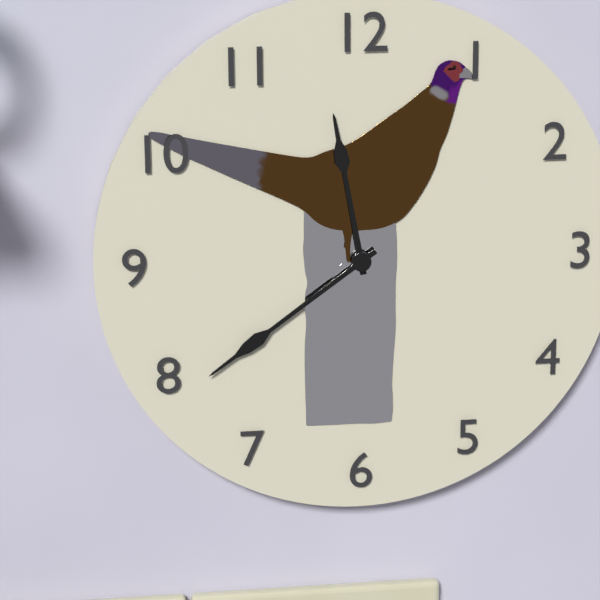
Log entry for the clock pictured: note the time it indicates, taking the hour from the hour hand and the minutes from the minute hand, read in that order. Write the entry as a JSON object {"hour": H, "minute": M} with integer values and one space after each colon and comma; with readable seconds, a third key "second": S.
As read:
{"hour": 11, "minute": 39}
